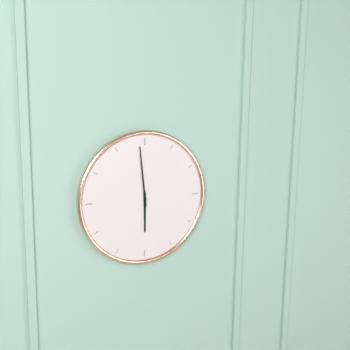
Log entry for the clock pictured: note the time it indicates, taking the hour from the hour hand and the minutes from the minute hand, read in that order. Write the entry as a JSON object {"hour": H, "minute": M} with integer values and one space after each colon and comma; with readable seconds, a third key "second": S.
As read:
{"hour": 5, "minute": 59}
